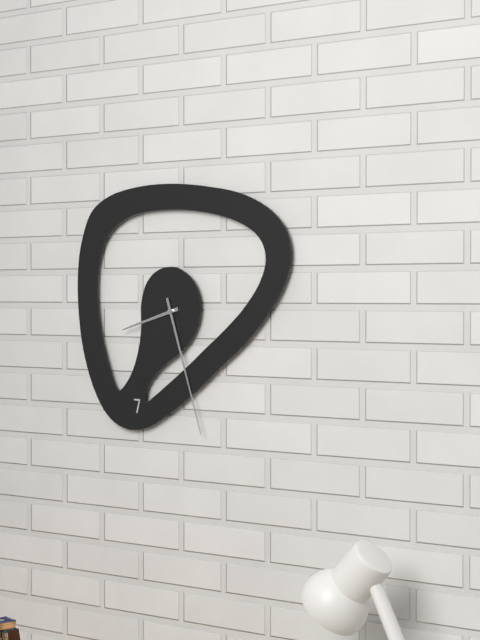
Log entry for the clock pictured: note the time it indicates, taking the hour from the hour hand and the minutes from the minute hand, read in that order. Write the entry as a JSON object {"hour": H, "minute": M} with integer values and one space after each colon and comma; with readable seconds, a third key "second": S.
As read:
{"hour": 8, "minute": 27}
